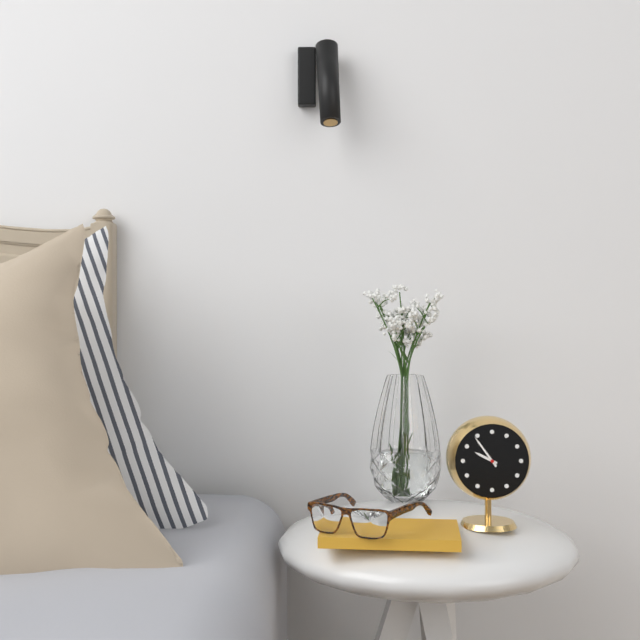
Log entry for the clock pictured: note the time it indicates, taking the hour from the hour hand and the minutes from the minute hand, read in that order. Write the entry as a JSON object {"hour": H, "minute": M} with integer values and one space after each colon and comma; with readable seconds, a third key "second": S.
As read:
{"hour": 9, "minute": 54}
